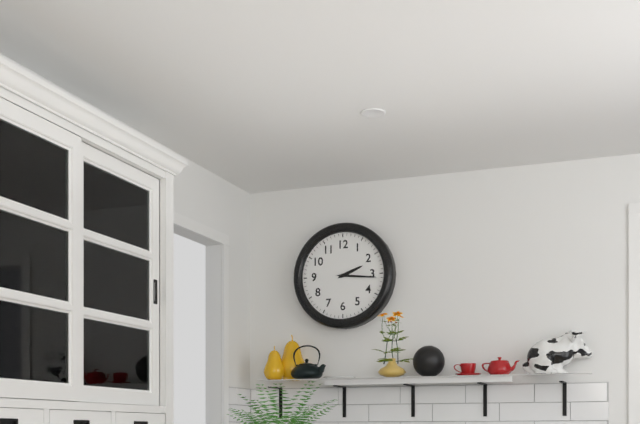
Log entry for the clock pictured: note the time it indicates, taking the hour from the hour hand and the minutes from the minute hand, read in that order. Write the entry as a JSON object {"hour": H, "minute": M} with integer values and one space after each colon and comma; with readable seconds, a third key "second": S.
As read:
{"hour": 2, "minute": 16}
